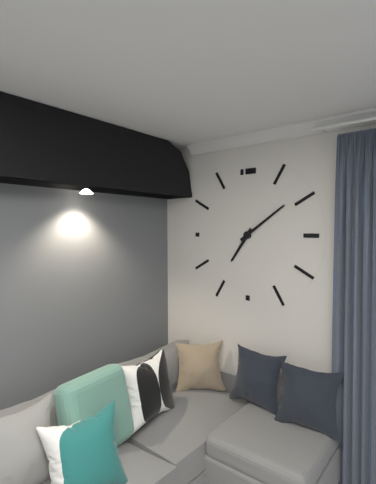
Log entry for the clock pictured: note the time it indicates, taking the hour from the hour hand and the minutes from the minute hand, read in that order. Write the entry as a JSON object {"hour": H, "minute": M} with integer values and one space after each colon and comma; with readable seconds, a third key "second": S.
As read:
{"hour": 7, "minute": 9}
